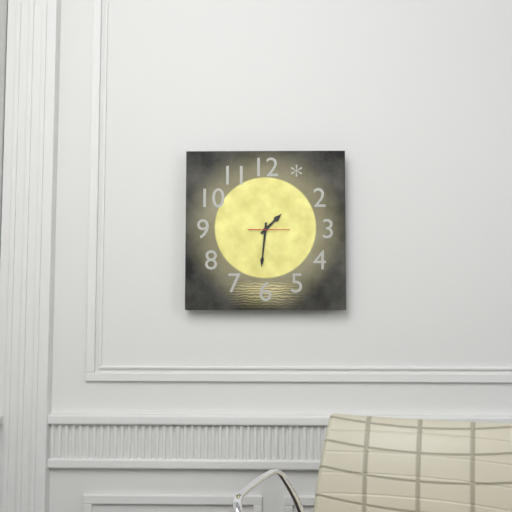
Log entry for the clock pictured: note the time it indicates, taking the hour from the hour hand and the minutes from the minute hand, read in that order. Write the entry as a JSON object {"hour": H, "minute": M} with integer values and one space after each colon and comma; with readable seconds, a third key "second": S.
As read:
{"hour": 1, "minute": 31}
